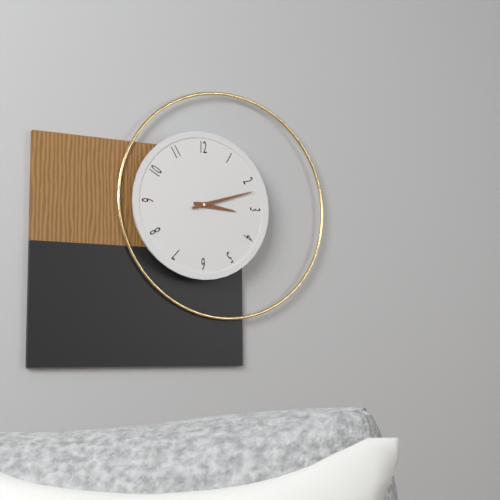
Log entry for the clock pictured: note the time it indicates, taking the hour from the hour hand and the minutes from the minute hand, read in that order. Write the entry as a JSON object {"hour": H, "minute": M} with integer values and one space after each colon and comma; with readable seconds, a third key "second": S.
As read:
{"hour": 3, "minute": 12}
